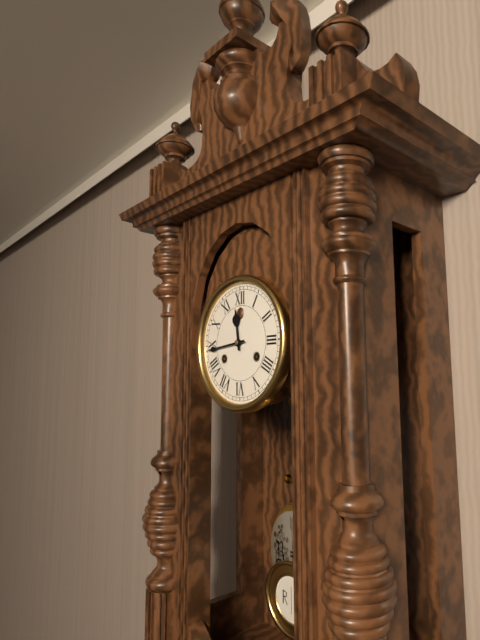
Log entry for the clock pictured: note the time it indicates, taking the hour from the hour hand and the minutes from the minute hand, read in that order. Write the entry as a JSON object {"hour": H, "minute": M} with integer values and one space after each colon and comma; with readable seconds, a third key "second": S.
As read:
{"hour": 11, "minute": 44}
